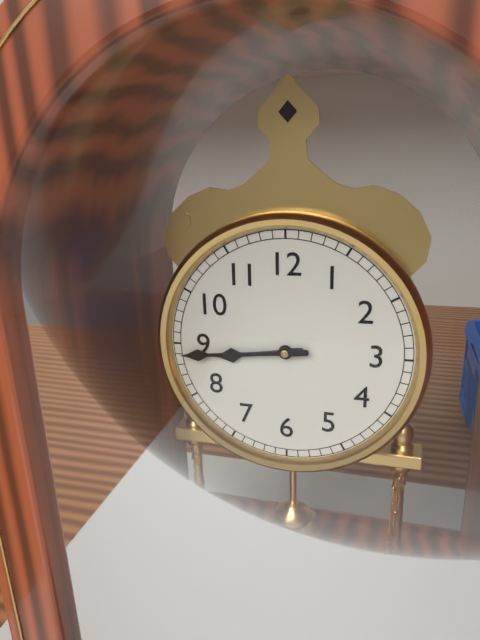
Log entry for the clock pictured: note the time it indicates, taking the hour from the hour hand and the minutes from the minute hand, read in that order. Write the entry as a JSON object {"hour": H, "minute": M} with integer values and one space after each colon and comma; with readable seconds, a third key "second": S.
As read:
{"hour": 8, "minute": 44}
